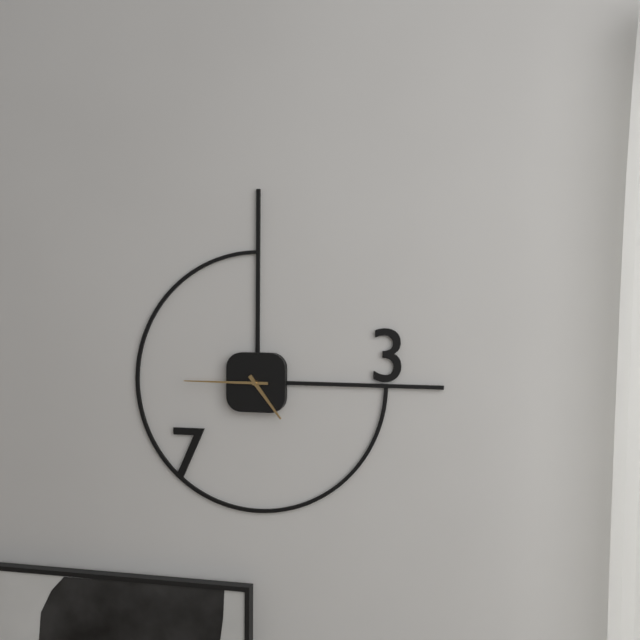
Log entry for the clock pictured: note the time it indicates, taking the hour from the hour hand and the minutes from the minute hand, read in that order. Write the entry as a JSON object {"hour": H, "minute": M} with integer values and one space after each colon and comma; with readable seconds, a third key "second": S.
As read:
{"hour": 4, "minute": 45}
